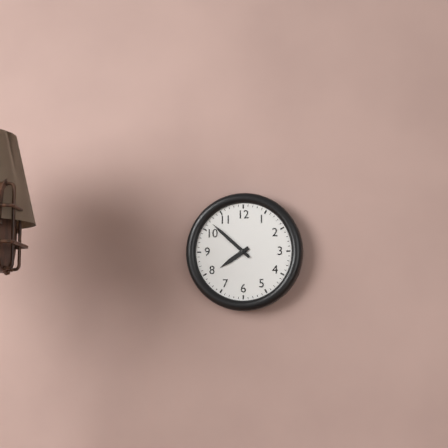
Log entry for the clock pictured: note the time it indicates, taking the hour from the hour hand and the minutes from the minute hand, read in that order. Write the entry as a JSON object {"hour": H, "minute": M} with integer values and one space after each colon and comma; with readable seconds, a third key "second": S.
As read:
{"hour": 7, "minute": 52}
